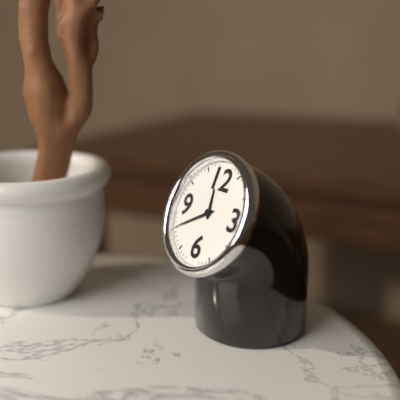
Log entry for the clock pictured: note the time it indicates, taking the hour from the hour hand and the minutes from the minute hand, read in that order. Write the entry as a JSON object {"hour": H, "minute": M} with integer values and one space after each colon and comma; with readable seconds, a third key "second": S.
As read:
{"hour": 11, "minute": 40}
